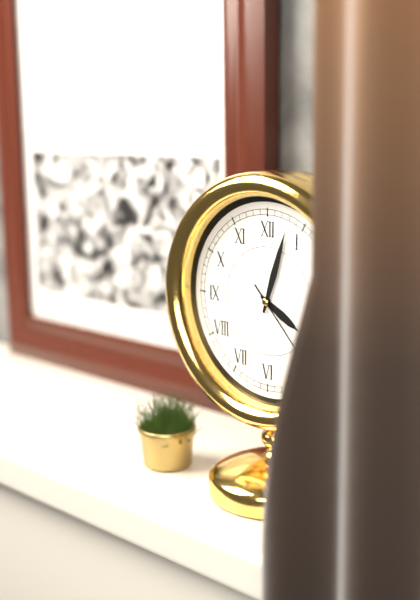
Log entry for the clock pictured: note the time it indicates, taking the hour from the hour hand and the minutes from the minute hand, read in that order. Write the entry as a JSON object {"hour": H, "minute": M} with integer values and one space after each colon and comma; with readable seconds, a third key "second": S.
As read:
{"hour": 4, "minute": 3}
